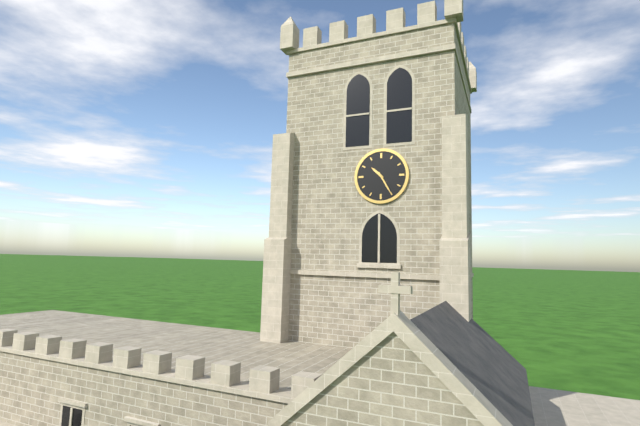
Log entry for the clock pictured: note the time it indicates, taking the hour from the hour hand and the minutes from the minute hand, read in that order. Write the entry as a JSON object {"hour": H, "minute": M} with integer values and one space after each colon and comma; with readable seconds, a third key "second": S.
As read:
{"hour": 10, "minute": 25}
